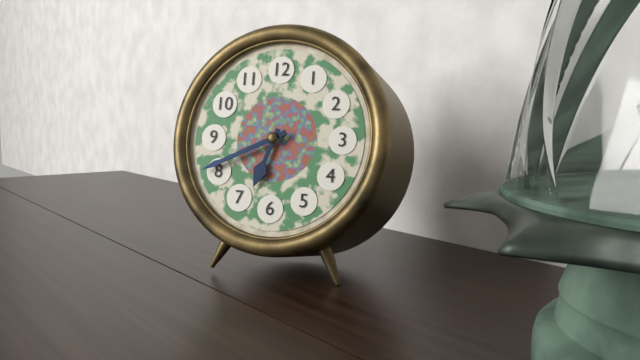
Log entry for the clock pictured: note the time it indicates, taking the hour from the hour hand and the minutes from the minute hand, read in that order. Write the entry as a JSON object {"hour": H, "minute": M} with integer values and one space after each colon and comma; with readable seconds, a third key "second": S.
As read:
{"hour": 6, "minute": 41}
